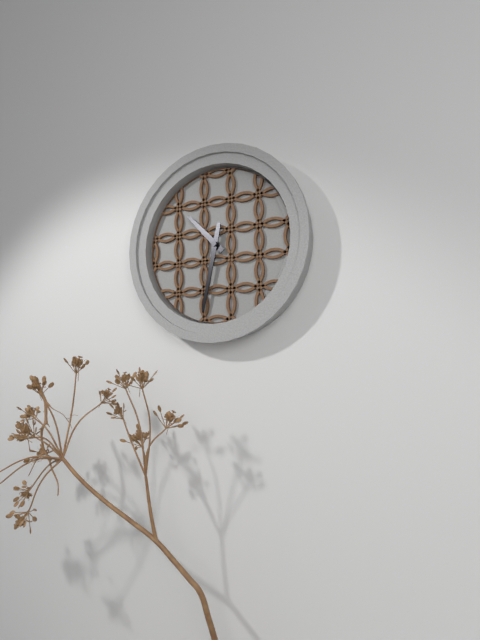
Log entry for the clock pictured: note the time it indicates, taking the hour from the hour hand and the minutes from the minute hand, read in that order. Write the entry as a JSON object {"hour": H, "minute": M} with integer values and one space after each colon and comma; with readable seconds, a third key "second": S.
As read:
{"hour": 10, "minute": 32}
